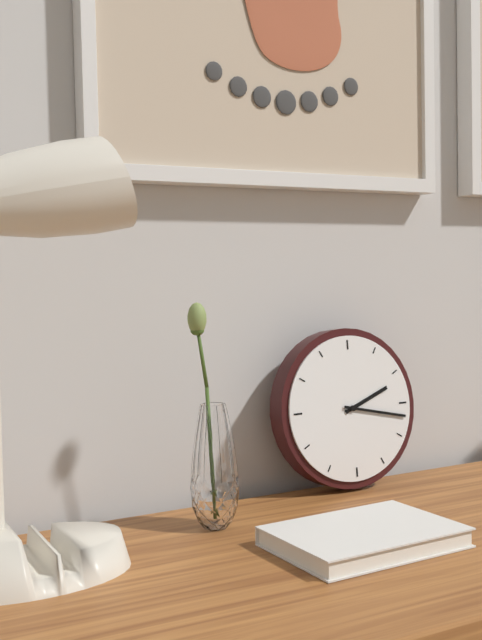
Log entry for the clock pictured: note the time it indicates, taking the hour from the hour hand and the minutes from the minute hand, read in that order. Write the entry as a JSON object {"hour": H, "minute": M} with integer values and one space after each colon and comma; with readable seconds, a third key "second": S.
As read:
{"hour": 2, "minute": 17}
